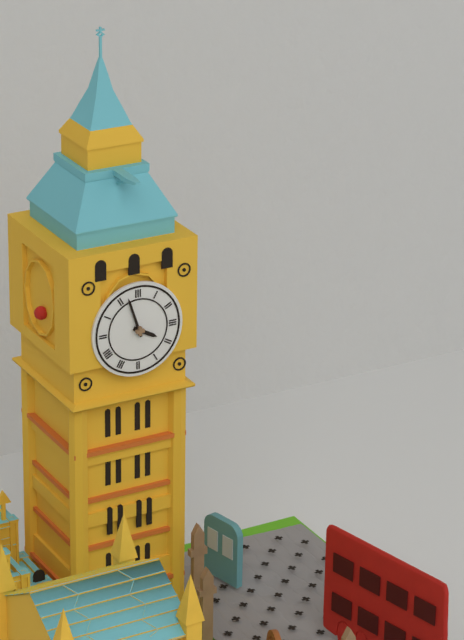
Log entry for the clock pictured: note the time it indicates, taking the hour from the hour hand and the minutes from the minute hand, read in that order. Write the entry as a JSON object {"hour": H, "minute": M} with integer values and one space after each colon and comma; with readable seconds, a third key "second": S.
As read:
{"hour": 3, "minute": 57}
